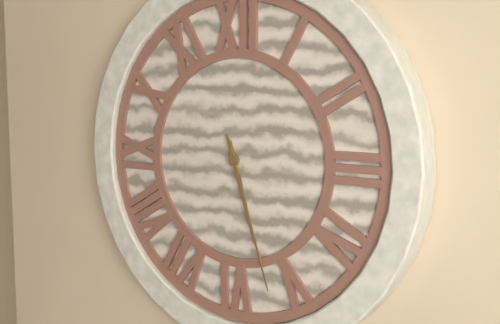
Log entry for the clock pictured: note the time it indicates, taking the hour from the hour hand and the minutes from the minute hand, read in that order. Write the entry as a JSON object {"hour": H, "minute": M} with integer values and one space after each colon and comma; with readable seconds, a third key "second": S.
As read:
{"hour": 5, "minute": 27}
